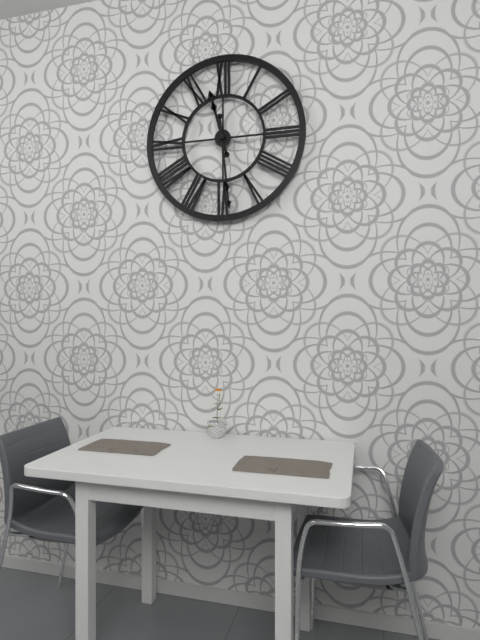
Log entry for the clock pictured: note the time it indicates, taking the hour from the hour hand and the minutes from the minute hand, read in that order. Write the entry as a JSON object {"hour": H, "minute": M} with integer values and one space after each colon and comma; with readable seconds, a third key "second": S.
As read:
{"hour": 11, "minute": 29}
